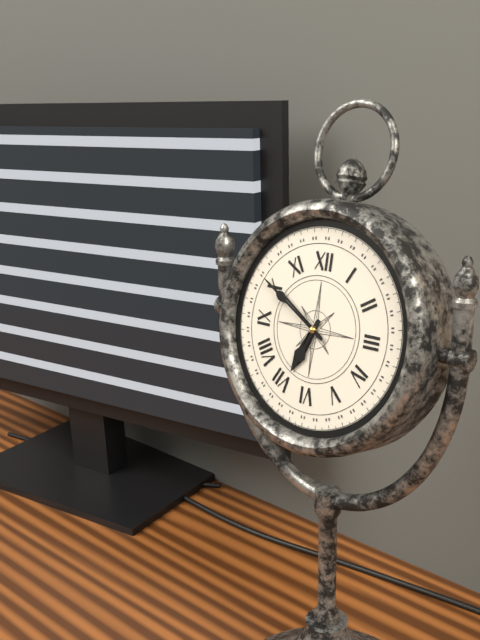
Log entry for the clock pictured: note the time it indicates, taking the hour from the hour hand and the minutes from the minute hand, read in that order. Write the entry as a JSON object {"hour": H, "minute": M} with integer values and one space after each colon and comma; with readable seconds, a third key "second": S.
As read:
{"hour": 6, "minute": 50}
